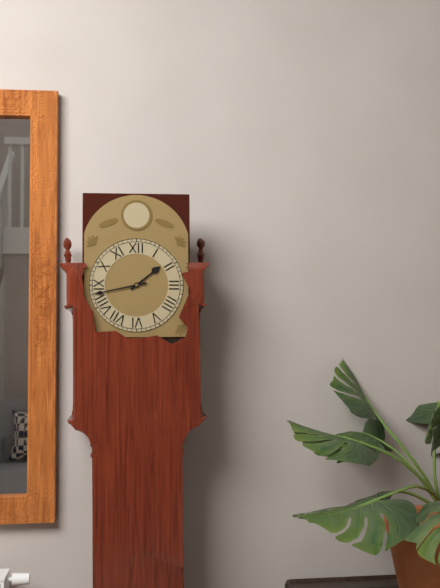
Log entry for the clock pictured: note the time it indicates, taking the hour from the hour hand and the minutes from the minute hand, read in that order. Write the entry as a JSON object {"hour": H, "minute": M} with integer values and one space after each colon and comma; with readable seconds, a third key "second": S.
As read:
{"hour": 1, "minute": 43}
